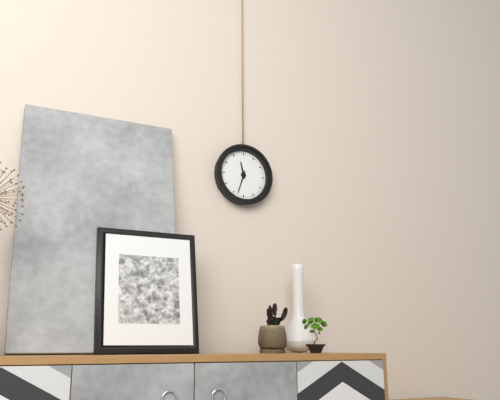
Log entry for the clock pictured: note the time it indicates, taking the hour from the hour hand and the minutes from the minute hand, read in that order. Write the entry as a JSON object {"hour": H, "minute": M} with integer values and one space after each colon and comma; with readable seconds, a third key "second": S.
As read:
{"hour": 11, "minute": 33}
